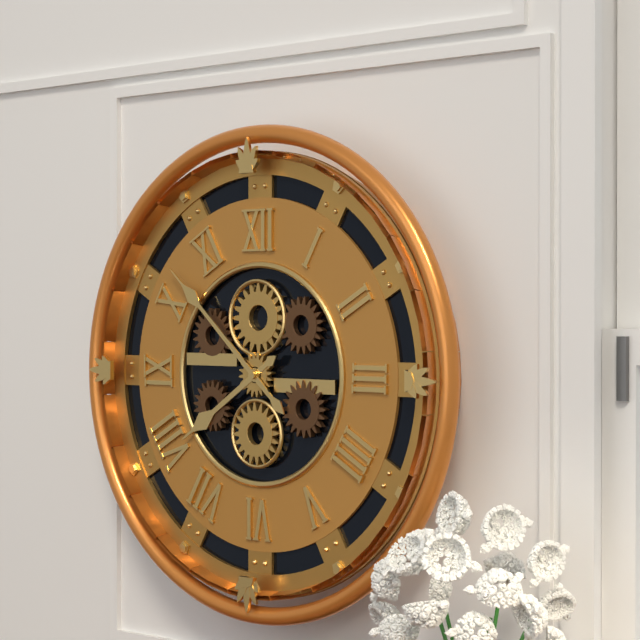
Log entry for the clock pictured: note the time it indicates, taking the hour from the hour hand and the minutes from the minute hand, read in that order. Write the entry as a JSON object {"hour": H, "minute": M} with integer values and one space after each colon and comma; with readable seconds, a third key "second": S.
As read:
{"hour": 7, "minute": 52}
